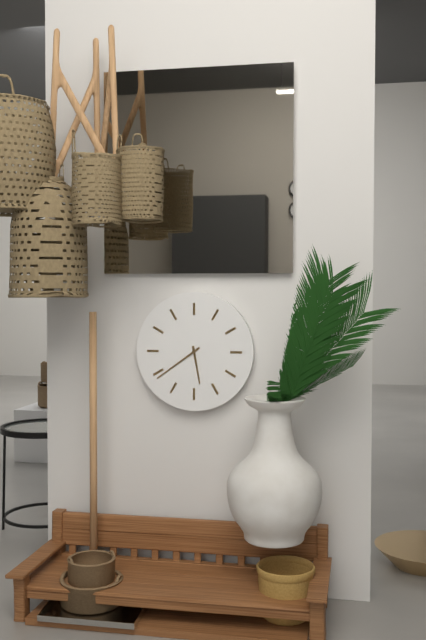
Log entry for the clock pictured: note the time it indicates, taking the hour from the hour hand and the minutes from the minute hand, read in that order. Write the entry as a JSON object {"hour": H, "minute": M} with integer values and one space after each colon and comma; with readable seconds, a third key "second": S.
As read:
{"hour": 5, "minute": 39}
